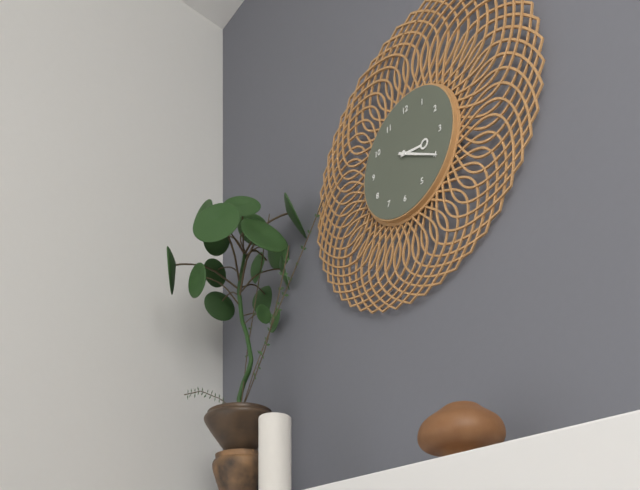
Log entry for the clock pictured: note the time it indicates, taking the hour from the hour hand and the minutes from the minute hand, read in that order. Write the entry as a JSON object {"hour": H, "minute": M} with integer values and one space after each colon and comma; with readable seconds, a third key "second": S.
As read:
{"hour": 3, "minute": 20}
